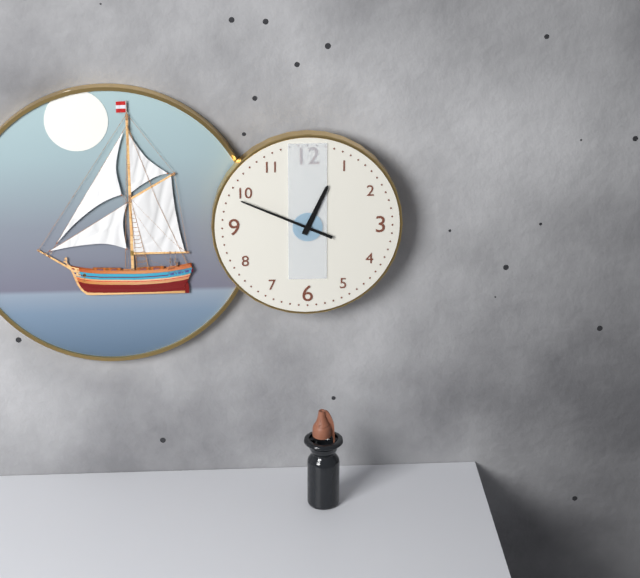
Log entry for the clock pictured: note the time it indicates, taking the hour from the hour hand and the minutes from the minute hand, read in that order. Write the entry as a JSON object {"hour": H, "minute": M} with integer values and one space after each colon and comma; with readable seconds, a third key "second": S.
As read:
{"hour": 12, "minute": 49}
